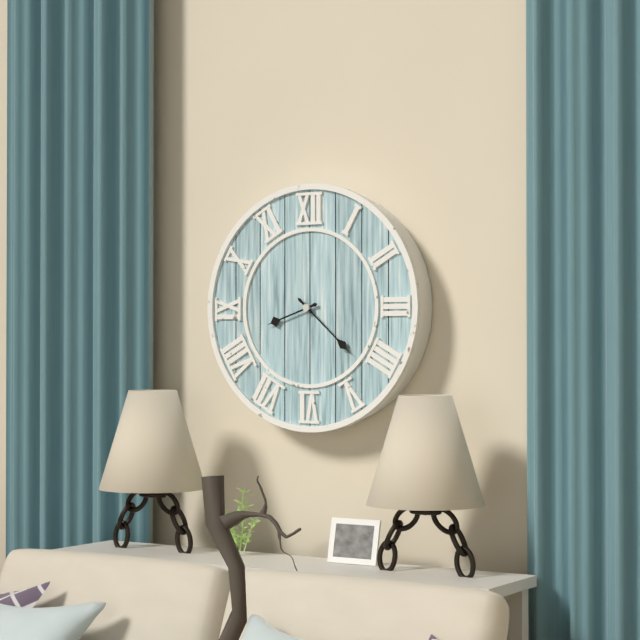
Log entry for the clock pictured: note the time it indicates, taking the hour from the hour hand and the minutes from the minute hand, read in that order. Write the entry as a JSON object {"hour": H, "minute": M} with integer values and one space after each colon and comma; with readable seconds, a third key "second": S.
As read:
{"hour": 8, "minute": 22}
